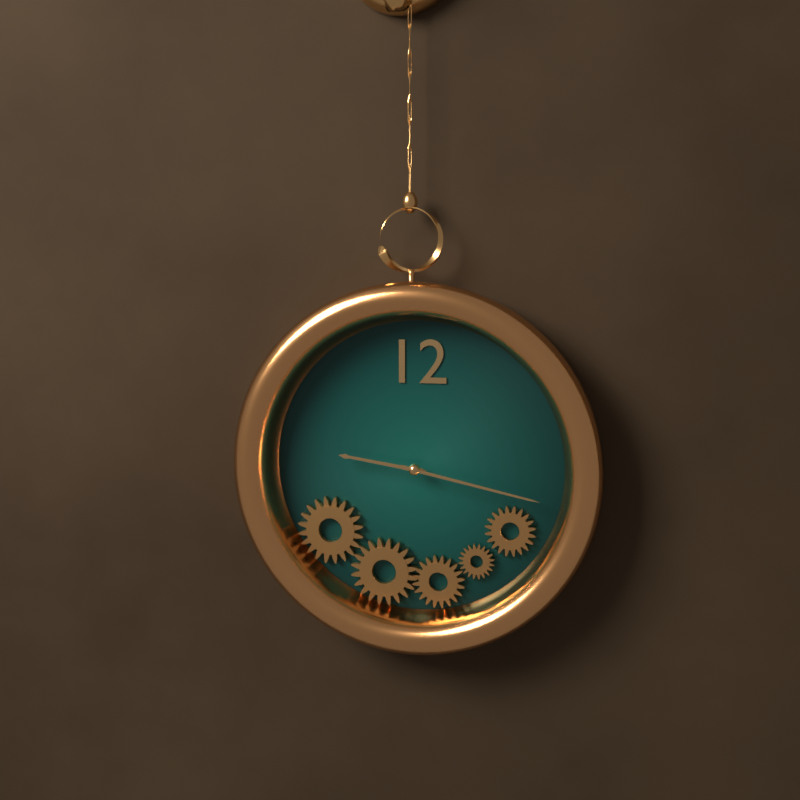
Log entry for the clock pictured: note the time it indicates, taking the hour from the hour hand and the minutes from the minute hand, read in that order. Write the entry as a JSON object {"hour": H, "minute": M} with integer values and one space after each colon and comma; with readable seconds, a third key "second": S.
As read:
{"hour": 9, "minute": 17}
